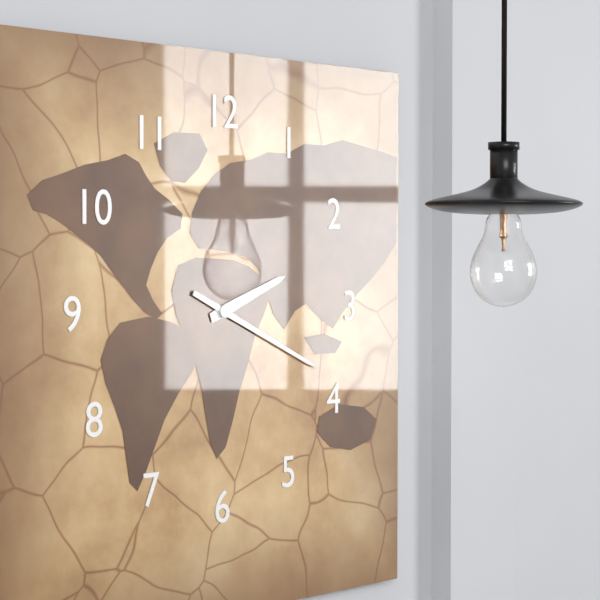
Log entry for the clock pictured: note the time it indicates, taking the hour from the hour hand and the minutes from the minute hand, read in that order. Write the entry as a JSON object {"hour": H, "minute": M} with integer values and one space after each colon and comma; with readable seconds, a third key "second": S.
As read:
{"hour": 2, "minute": 19}
